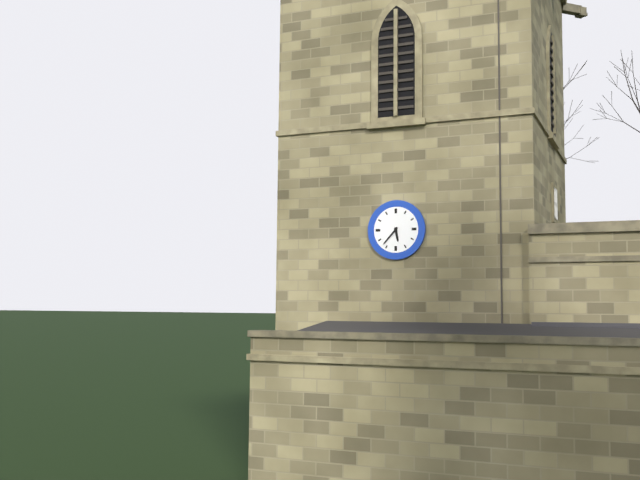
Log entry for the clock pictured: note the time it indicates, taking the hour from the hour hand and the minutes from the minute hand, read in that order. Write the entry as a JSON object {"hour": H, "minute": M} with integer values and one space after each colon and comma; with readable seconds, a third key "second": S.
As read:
{"hour": 5, "minute": 37}
